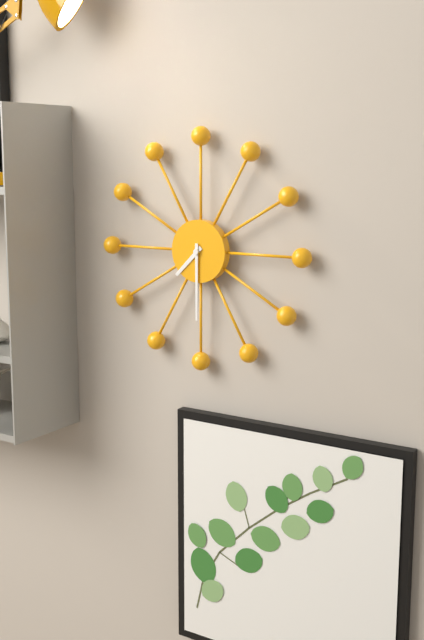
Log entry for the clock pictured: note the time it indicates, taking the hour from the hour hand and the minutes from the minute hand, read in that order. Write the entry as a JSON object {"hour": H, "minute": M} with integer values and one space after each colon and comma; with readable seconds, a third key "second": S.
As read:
{"hour": 7, "minute": 30}
